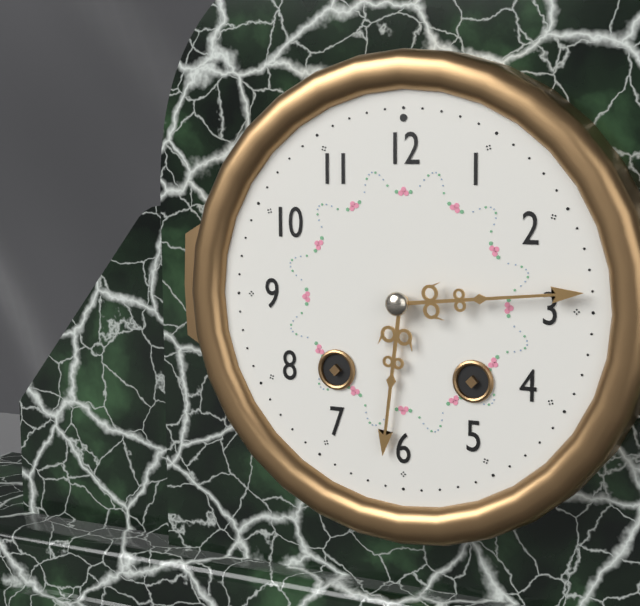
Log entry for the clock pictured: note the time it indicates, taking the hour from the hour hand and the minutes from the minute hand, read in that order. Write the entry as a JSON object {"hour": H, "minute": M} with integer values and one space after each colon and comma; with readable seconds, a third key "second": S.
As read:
{"hour": 6, "minute": 14}
